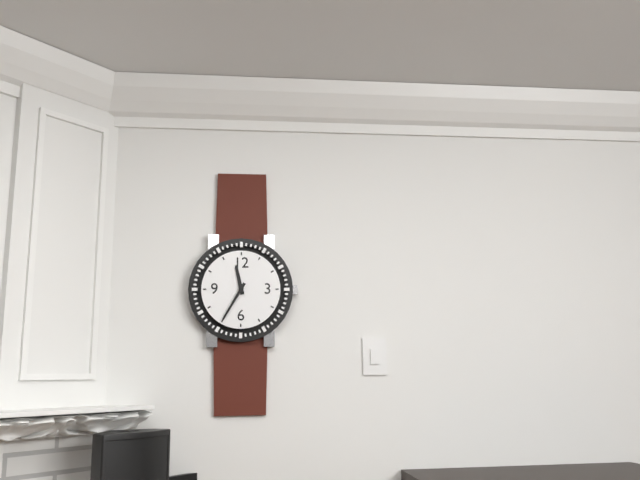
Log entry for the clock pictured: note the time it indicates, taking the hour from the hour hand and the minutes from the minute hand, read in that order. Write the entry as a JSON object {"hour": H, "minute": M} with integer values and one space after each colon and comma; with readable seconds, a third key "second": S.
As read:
{"hour": 11, "minute": 35}
